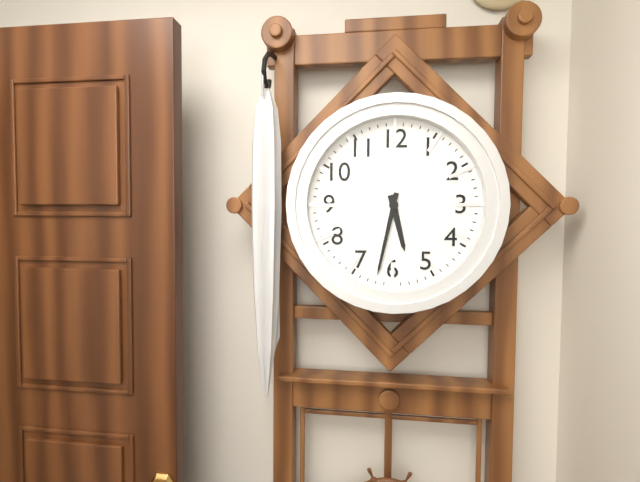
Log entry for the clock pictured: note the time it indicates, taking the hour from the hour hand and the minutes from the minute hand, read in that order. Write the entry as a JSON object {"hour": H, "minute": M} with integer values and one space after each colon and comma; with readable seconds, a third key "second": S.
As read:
{"hour": 5, "minute": 32}
